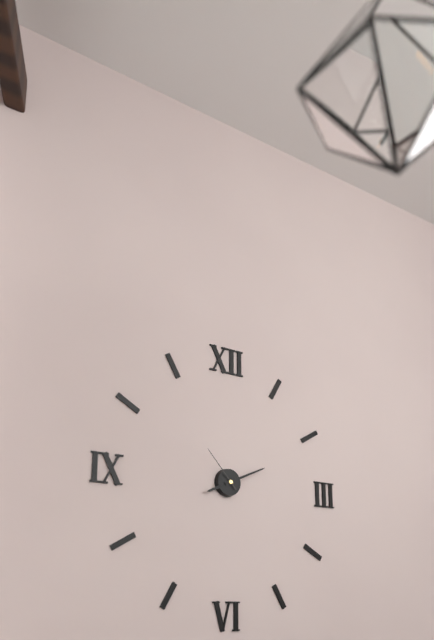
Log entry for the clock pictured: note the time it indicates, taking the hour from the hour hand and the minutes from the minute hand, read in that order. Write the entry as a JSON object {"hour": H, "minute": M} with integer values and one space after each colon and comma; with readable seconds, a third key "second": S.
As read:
{"hour": 8, "minute": 11}
